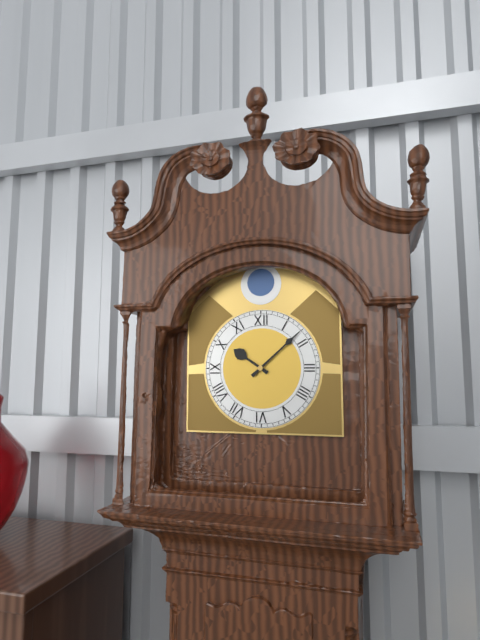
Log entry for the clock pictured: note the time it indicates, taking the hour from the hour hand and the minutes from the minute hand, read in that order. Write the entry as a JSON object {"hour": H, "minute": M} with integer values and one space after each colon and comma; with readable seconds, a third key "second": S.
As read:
{"hour": 10, "minute": 8}
